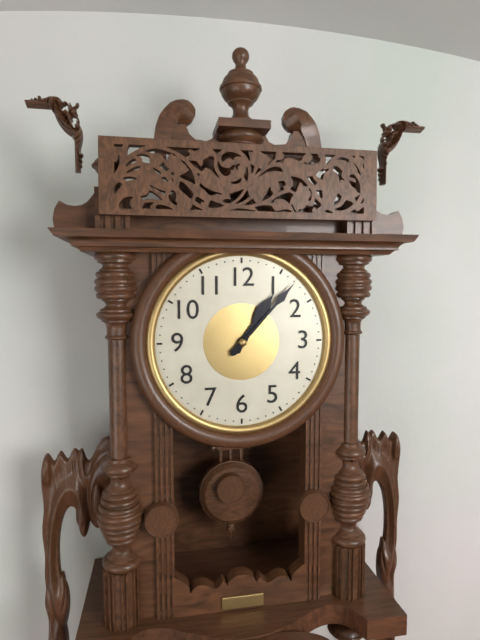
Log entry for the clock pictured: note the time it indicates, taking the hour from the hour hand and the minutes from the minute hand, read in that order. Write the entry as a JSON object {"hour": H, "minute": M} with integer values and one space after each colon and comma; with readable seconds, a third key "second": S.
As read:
{"hour": 1, "minute": 7}
